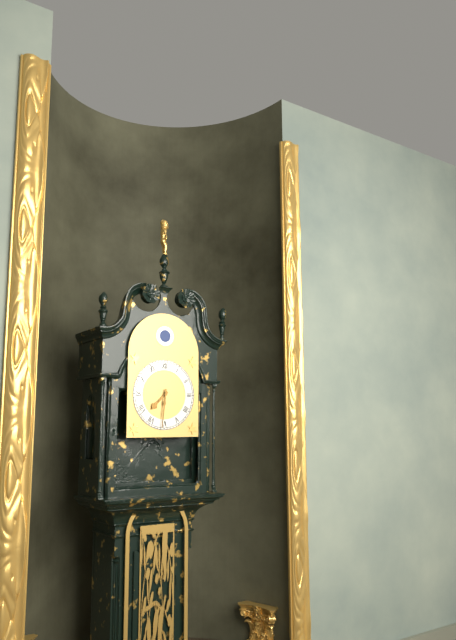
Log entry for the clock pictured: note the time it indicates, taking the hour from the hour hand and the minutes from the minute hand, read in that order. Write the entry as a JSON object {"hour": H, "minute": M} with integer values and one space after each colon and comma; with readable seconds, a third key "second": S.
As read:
{"hour": 7, "minute": 31}
